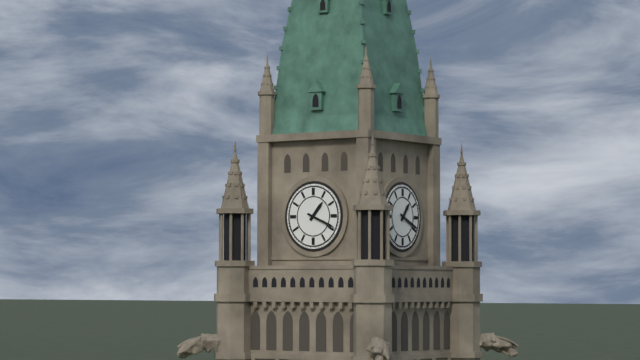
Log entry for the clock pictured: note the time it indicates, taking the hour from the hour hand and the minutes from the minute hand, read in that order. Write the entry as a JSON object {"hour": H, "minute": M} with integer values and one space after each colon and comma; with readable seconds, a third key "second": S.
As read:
{"hour": 1, "minute": 19}
